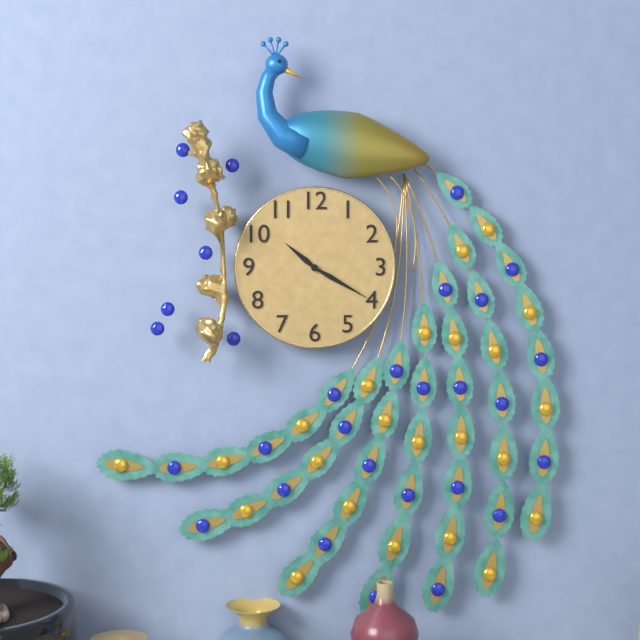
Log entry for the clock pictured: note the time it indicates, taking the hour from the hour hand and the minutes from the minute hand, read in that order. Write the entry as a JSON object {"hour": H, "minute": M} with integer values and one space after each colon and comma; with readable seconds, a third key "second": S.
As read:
{"hour": 10, "minute": 20}
